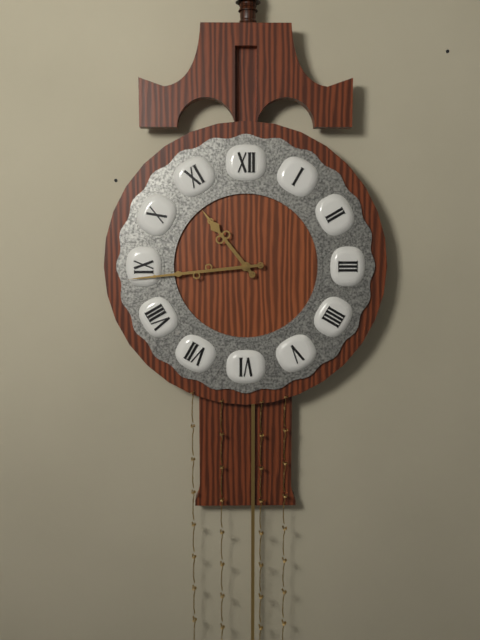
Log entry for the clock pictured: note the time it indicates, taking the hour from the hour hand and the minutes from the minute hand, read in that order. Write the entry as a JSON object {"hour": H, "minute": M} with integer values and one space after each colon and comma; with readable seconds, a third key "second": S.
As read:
{"hour": 10, "minute": 44}
